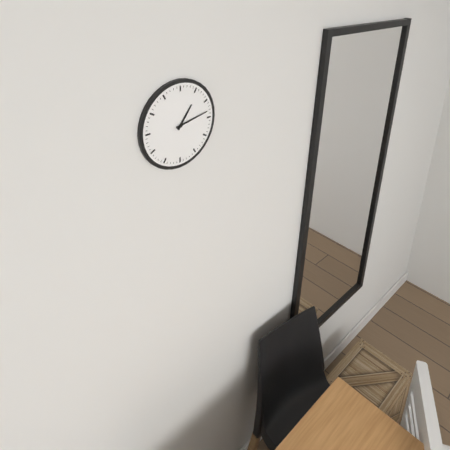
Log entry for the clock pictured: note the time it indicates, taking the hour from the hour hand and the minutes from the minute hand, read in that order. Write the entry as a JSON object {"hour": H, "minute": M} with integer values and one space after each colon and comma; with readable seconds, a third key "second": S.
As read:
{"hour": 1, "minute": 13}
